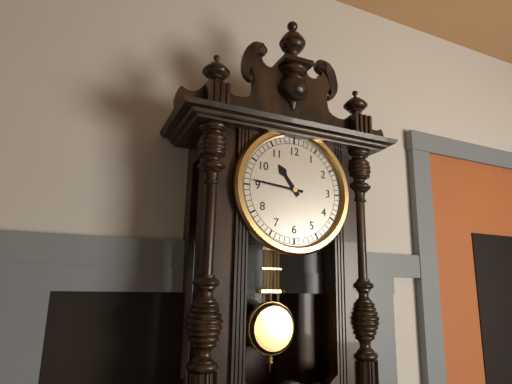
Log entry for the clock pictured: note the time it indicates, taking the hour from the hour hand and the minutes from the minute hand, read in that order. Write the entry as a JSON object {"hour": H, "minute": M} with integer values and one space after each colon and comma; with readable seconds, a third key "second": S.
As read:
{"hour": 10, "minute": 46}
